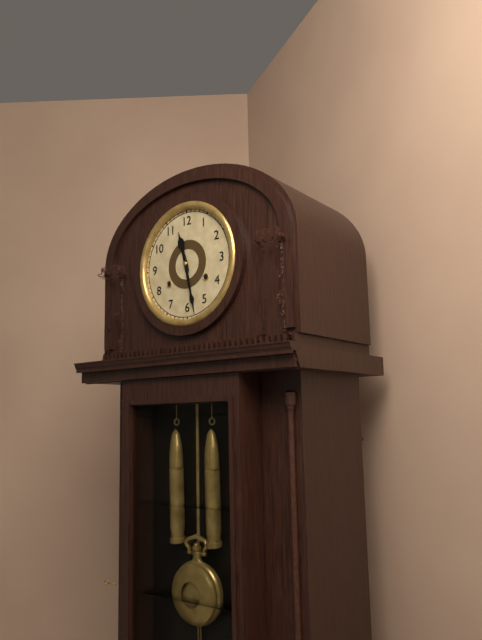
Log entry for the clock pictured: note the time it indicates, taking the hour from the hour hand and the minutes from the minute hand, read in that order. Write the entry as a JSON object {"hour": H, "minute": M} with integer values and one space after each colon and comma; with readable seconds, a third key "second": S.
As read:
{"hour": 11, "minute": 28}
